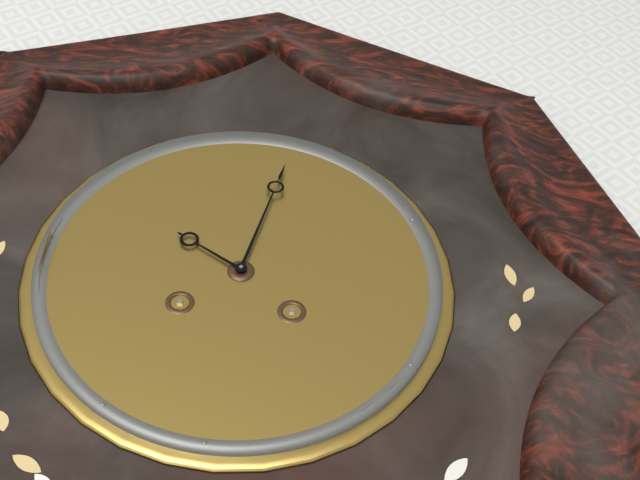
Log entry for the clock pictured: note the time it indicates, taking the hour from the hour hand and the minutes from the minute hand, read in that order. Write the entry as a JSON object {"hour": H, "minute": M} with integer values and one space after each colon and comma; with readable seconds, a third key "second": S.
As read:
{"hour": 10, "minute": 2}
